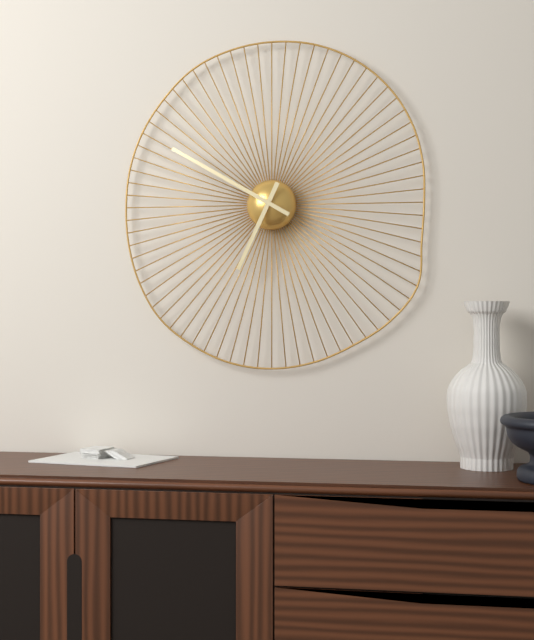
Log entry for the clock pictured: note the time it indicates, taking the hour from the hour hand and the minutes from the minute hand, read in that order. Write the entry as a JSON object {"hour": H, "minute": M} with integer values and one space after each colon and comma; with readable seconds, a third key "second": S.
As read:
{"hour": 6, "minute": 50}
